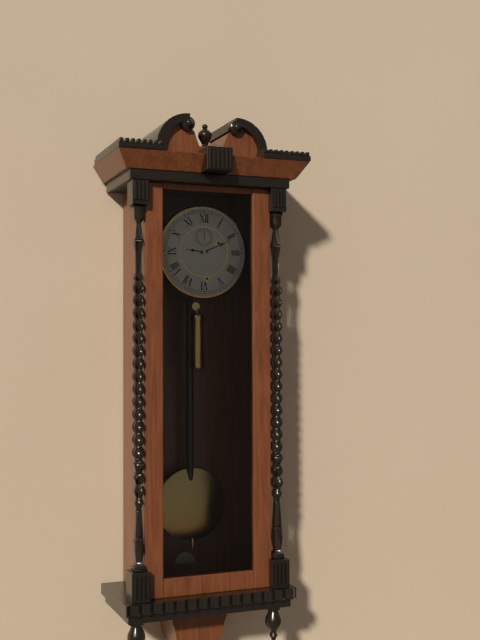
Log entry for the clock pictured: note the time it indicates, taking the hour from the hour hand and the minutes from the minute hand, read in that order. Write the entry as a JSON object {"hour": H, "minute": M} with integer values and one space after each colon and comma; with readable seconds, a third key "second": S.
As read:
{"hour": 9, "minute": 11}
